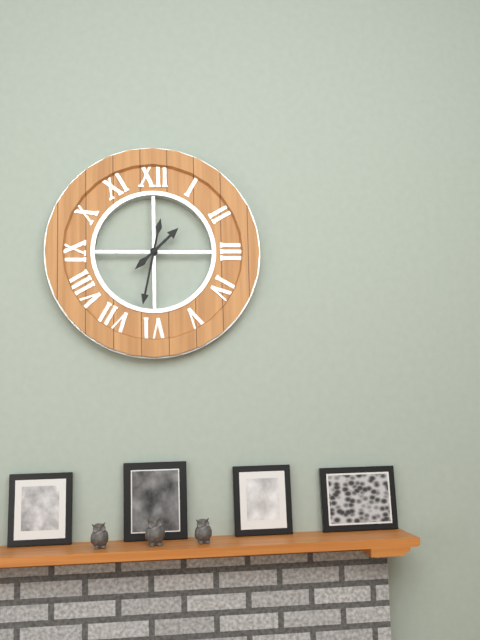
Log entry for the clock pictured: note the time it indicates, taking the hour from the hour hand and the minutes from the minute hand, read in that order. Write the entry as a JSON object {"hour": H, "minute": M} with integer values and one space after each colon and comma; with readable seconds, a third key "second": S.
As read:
{"hour": 1, "minute": 32}
